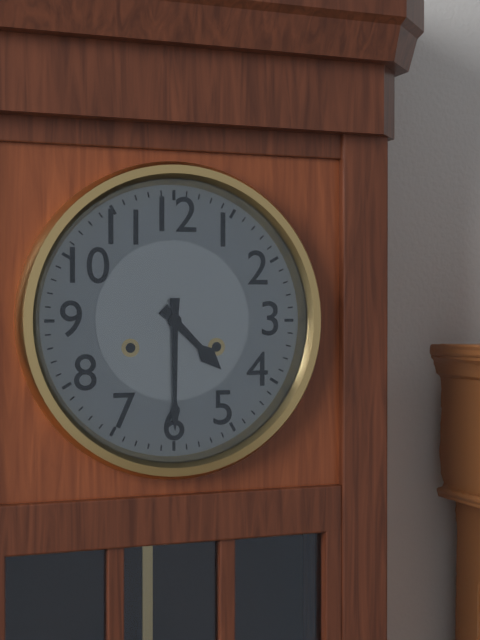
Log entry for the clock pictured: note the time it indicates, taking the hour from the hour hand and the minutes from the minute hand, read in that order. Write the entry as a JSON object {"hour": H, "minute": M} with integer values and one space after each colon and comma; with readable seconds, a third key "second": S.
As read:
{"hour": 4, "minute": 30}
